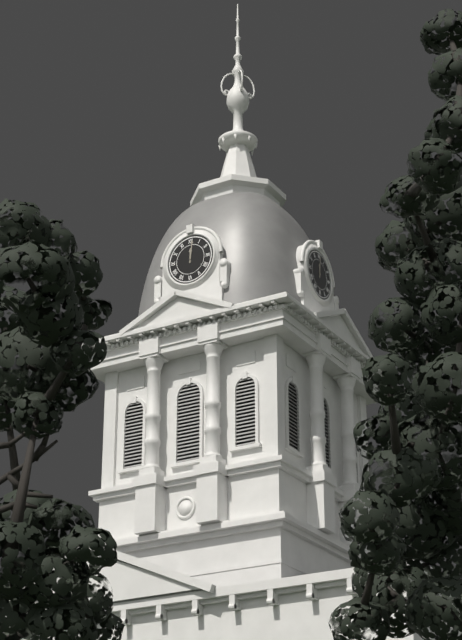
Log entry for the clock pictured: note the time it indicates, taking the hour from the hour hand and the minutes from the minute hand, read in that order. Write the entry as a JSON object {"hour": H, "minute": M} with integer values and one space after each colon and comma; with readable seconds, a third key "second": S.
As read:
{"hour": 12, "minute": 1}
